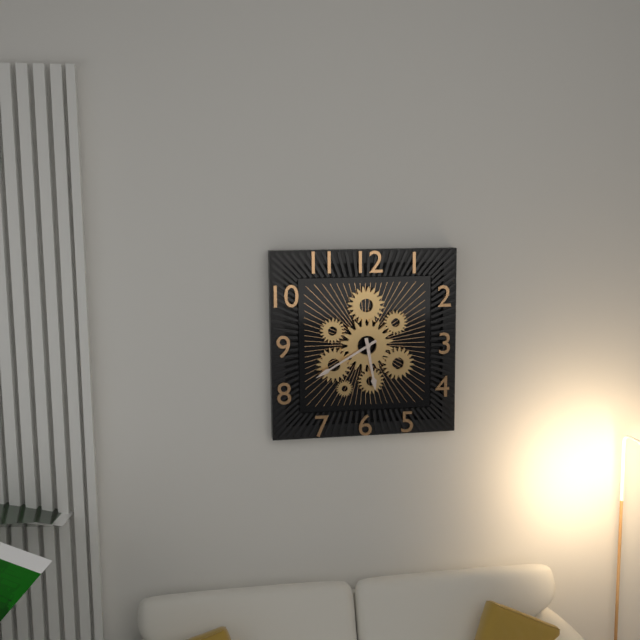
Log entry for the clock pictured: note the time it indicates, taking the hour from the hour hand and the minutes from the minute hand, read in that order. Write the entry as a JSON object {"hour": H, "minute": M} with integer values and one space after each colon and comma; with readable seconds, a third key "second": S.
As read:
{"hour": 5, "minute": 40}
